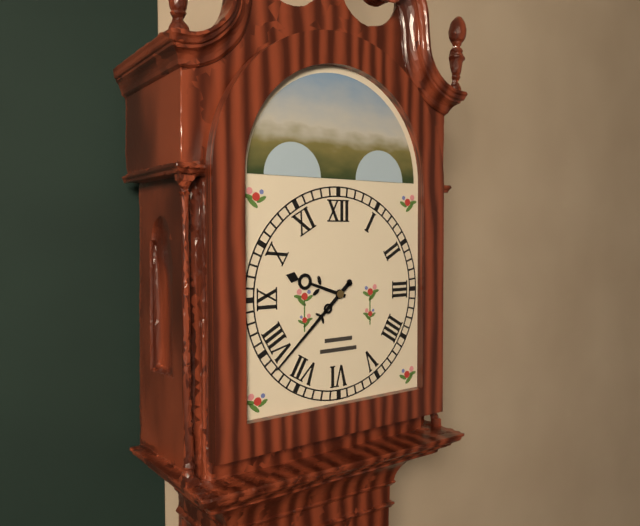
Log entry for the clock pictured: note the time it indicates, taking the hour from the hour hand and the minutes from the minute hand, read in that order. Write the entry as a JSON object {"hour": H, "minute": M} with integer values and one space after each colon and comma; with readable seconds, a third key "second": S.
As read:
{"hour": 9, "minute": 38}
